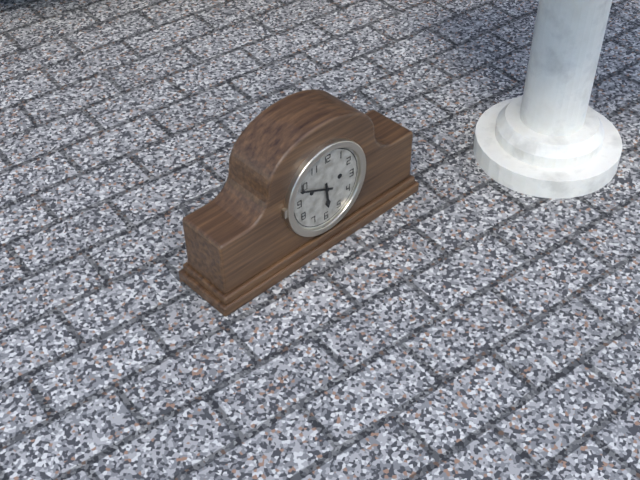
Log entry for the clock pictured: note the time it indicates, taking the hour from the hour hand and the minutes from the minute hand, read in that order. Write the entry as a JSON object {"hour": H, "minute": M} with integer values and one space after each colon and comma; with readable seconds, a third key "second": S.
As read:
{"hour": 5, "minute": 49}
